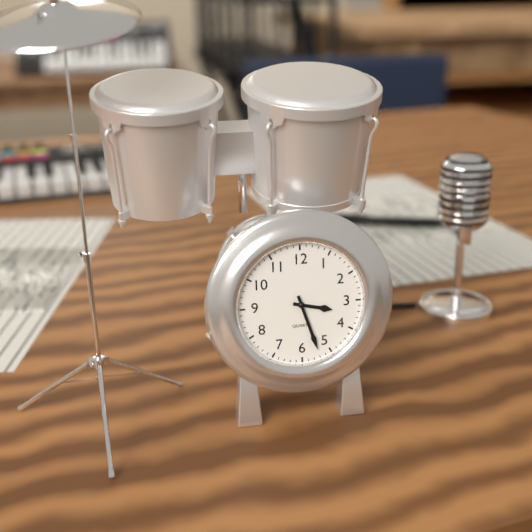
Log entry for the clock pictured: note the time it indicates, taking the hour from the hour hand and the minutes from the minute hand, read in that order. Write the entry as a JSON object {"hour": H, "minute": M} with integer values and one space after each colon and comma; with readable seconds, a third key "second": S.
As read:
{"hour": 3, "minute": 27}
